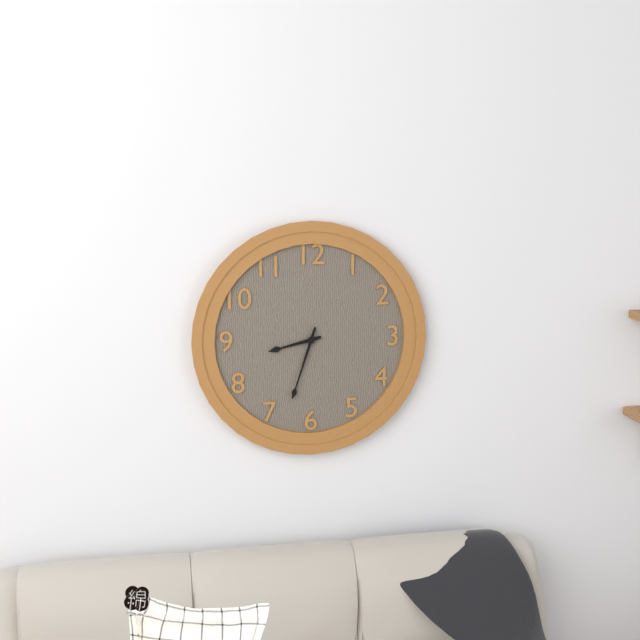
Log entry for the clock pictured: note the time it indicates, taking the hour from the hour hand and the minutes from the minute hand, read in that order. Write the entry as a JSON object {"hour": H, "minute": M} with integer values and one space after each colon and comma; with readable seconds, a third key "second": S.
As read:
{"hour": 8, "minute": 33}
